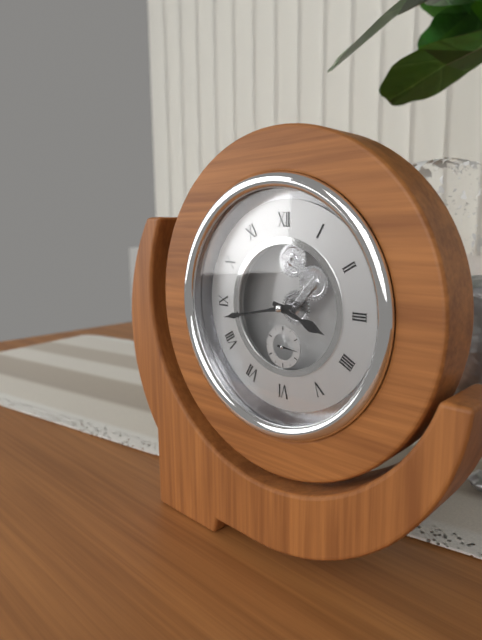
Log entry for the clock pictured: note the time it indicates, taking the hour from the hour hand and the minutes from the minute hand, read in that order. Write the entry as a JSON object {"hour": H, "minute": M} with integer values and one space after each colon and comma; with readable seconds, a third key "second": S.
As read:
{"hour": 3, "minute": 43}
